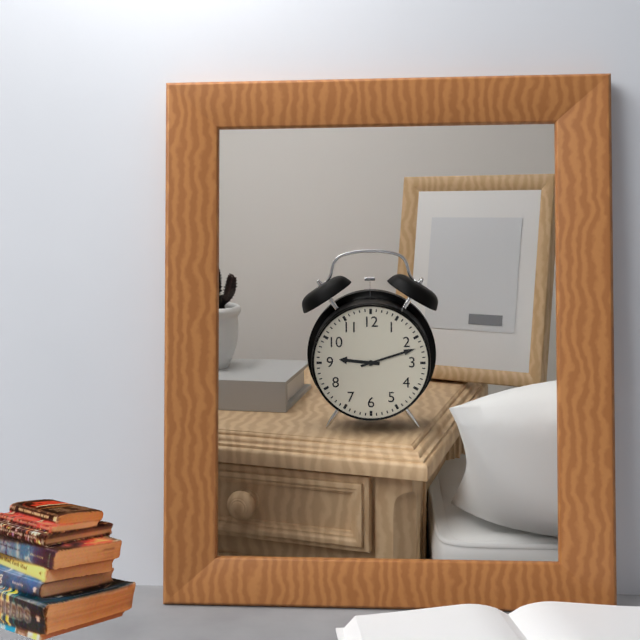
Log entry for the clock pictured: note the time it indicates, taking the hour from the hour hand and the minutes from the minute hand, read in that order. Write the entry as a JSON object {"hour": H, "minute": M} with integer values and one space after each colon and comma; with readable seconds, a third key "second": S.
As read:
{"hour": 9, "minute": 12}
